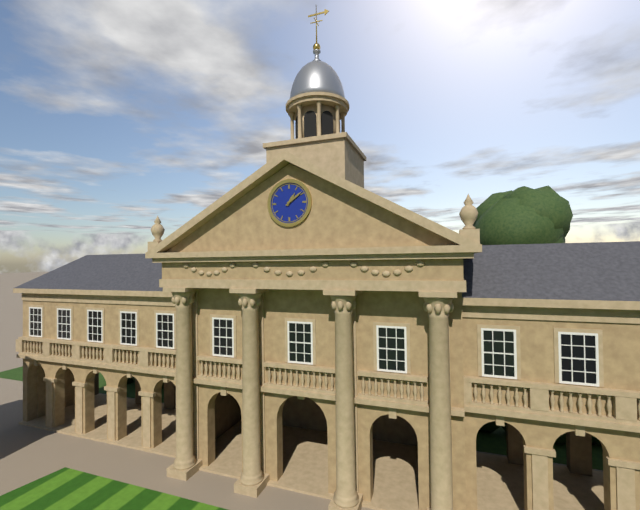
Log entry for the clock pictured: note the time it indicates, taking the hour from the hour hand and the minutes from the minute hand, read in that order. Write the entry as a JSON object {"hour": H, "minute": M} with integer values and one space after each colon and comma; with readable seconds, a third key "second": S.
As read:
{"hour": 1, "minute": 9}
